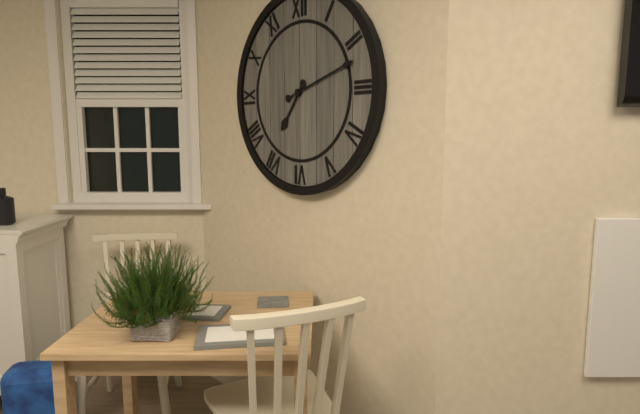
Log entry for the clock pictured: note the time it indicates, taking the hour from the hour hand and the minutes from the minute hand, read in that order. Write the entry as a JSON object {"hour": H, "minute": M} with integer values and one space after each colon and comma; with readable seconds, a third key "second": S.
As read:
{"hour": 7, "minute": 12}
